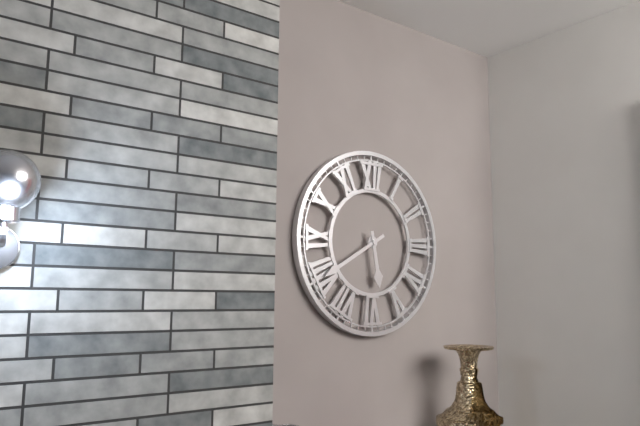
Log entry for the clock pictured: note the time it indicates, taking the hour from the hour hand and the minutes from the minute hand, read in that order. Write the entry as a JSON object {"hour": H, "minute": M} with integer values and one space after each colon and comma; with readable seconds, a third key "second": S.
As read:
{"hour": 5, "minute": 40}
